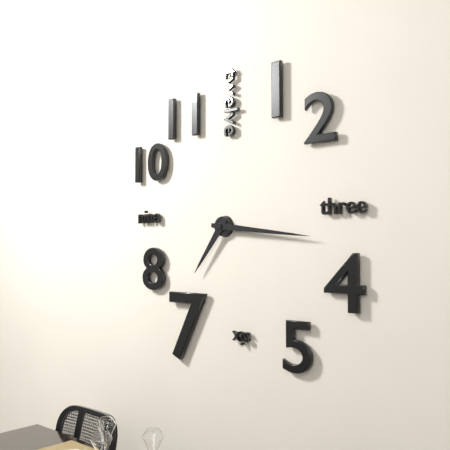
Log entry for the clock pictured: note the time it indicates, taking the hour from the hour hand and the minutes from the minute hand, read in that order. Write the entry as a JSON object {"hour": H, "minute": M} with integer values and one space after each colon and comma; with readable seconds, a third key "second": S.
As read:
{"hour": 7, "minute": 16}
